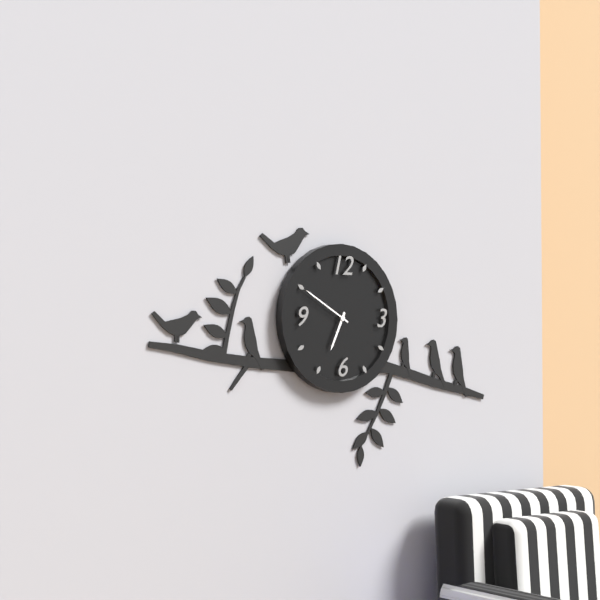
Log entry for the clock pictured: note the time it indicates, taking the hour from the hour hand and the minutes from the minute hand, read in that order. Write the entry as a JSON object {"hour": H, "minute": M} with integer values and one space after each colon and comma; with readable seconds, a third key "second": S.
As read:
{"hour": 6, "minute": 50}
